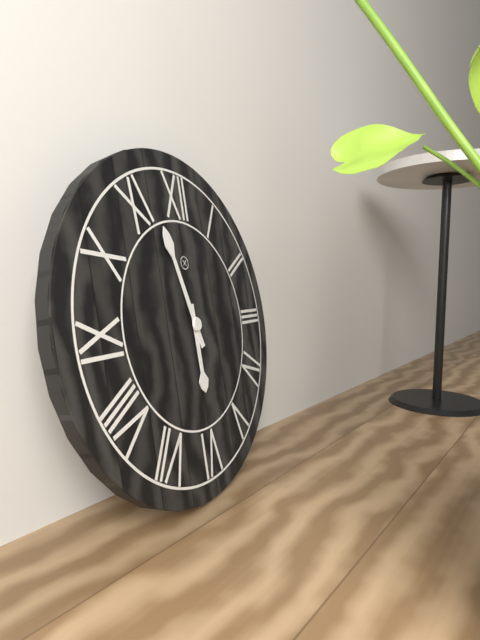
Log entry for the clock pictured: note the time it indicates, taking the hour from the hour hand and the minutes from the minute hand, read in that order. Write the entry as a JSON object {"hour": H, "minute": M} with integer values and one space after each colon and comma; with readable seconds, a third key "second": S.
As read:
{"hour": 5, "minute": 57}
